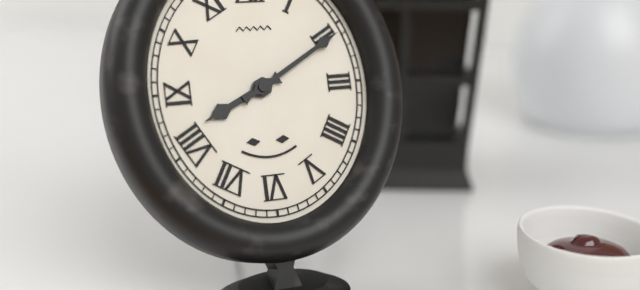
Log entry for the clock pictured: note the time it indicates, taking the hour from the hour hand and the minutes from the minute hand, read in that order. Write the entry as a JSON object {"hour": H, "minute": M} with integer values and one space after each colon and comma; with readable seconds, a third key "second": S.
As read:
{"hour": 8, "minute": 10}
